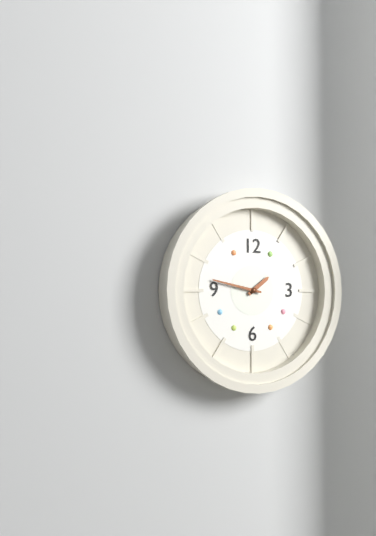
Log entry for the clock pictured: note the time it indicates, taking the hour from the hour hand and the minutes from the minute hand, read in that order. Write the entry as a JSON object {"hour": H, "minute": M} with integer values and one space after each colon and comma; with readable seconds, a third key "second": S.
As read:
{"hour": 1, "minute": 47}
